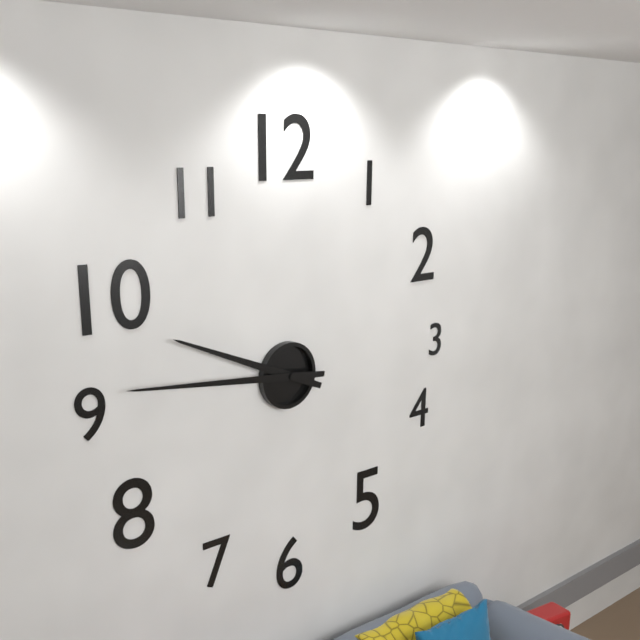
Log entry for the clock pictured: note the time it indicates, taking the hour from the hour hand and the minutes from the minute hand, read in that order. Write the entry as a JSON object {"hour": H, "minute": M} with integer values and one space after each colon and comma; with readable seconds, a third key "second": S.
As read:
{"hour": 9, "minute": 46}
